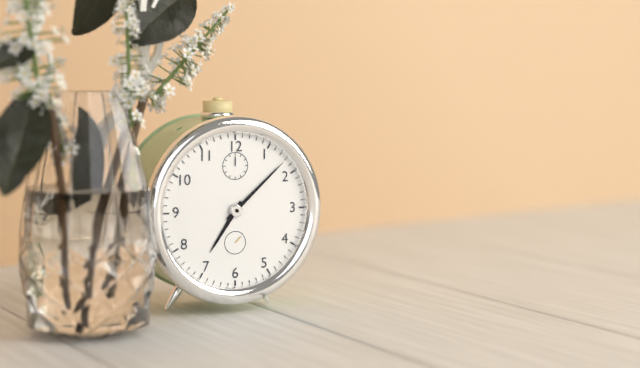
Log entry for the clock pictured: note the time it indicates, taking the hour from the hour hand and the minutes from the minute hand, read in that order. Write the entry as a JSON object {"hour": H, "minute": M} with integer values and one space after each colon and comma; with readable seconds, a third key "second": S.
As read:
{"hour": 7, "minute": 8}
